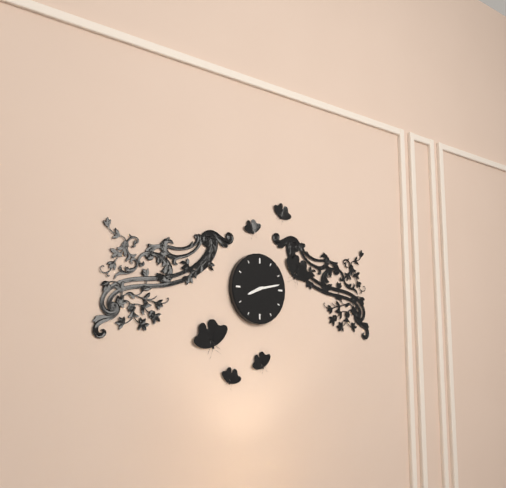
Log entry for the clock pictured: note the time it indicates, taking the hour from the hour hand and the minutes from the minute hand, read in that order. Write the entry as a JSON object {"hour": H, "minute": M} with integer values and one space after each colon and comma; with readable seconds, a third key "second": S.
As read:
{"hour": 8, "minute": 13}
